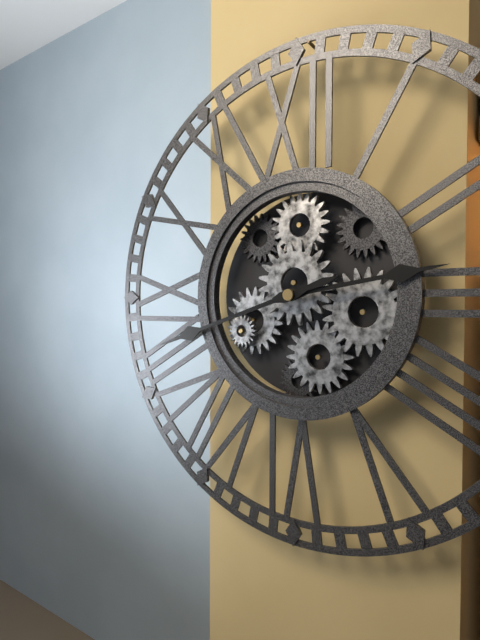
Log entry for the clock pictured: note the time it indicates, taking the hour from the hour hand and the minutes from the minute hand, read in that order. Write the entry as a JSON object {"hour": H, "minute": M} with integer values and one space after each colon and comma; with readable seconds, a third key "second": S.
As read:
{"hour": 2, "minute": 42}
